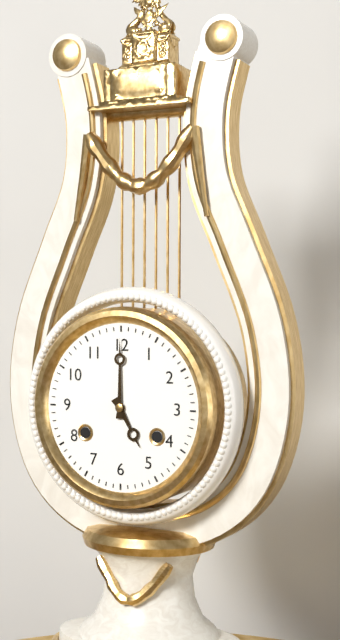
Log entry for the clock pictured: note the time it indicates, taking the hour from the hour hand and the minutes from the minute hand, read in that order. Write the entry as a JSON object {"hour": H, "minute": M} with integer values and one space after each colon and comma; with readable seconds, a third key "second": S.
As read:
{"hour": 5, "minute": 0}
